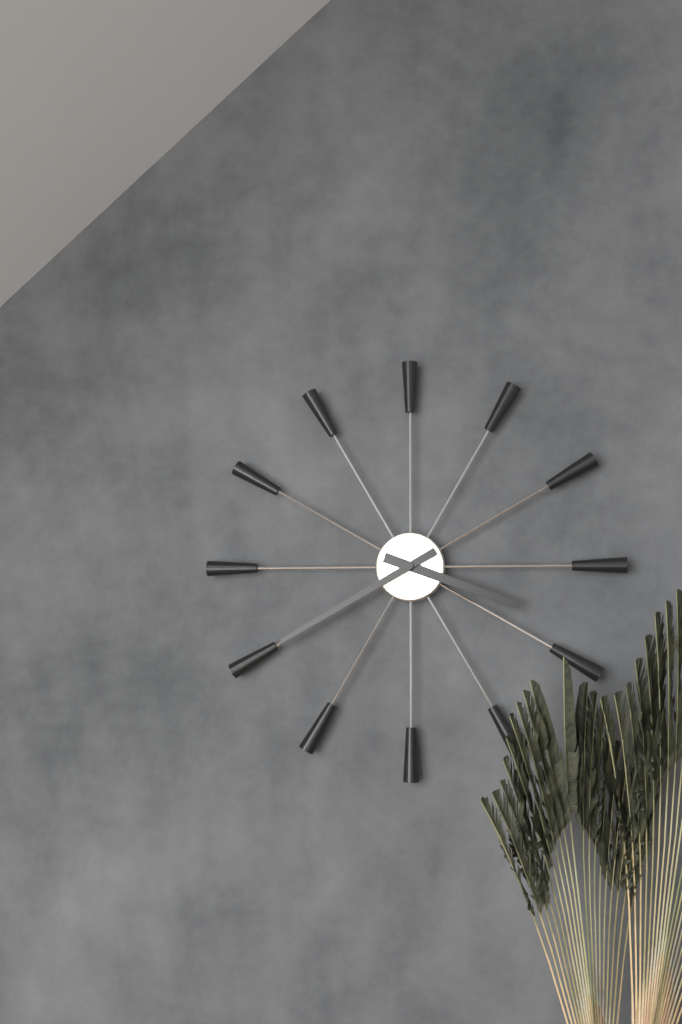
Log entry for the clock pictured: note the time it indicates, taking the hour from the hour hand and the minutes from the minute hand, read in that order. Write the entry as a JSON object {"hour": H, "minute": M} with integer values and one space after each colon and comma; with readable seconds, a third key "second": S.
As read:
{"hour": 3, "minute": 40}
